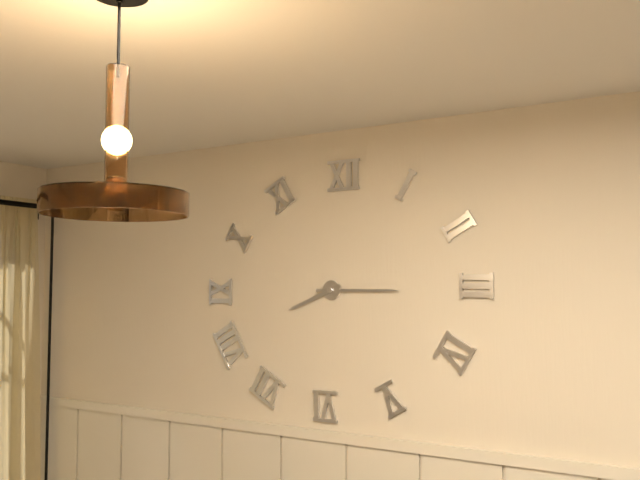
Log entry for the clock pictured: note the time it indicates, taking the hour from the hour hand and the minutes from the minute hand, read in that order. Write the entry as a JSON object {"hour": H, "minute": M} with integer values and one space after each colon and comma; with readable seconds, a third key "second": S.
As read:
{"hour": 8, "minute": 15}
